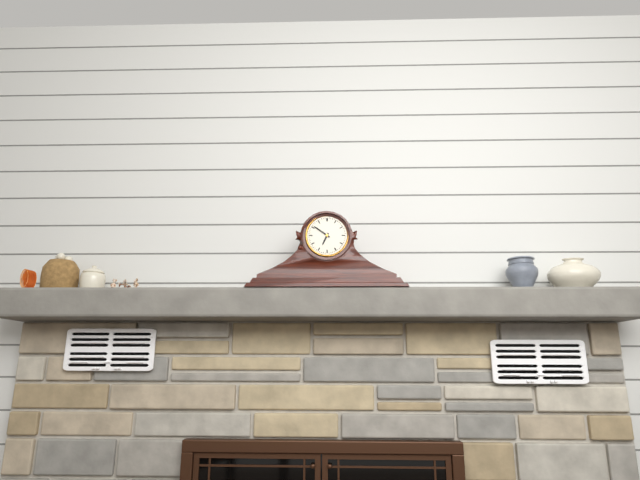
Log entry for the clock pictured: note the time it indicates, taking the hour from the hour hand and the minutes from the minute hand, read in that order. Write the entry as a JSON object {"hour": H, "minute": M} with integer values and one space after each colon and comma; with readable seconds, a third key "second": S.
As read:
{"hour": 6, "minute": 51}
